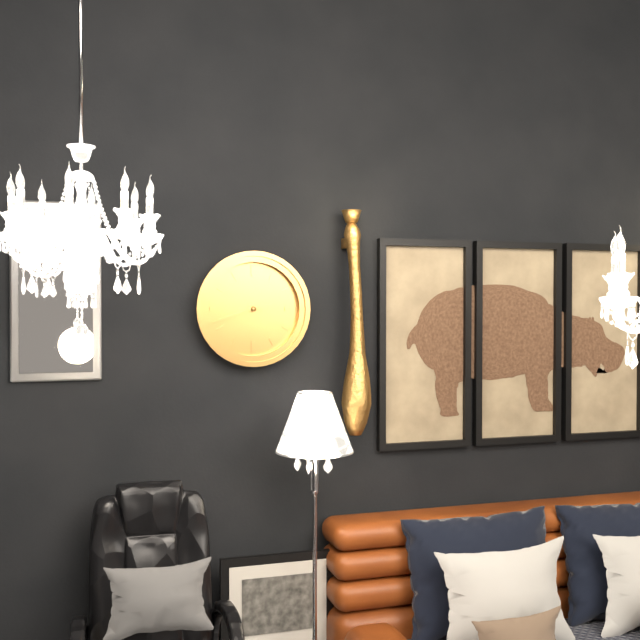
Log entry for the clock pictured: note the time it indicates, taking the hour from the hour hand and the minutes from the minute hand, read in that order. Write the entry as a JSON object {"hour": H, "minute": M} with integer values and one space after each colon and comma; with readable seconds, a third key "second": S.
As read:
{"hour": 2, "minute": 42}
